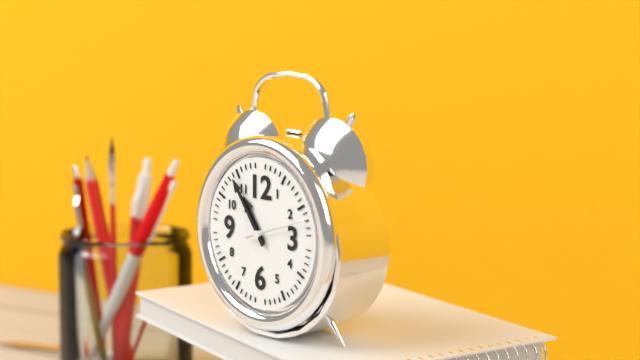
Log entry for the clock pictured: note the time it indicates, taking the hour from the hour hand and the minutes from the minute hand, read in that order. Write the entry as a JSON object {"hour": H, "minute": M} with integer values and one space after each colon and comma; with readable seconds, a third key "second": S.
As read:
{"hour": 10, "minute": 54}
